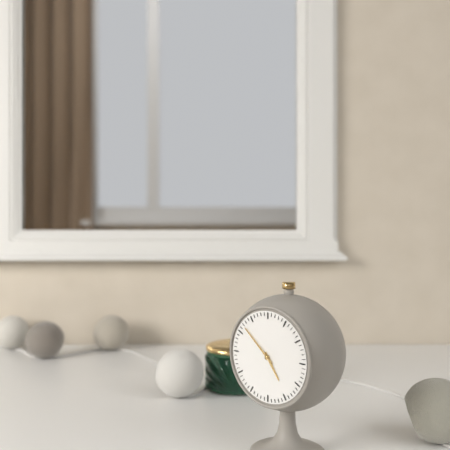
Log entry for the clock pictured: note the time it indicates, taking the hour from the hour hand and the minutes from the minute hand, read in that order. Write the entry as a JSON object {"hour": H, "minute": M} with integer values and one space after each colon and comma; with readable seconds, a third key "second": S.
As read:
{"hour": 4, "minute": 52}
